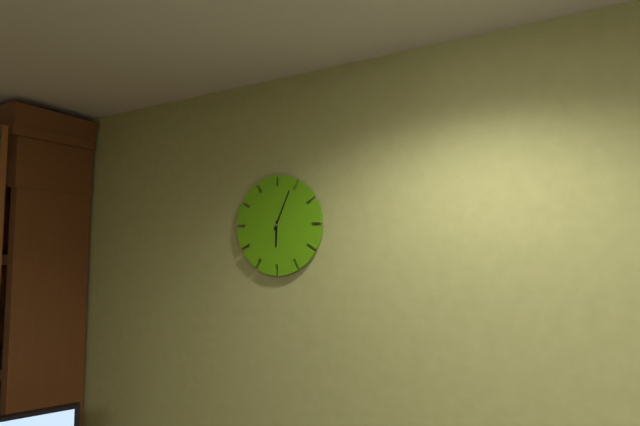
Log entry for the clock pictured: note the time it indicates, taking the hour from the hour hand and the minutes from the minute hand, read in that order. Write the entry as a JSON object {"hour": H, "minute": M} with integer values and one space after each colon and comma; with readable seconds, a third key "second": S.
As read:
{"hour": 6, "minute": 4}
